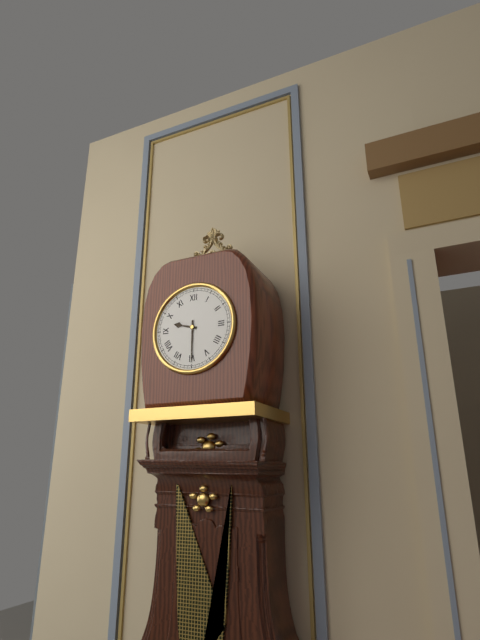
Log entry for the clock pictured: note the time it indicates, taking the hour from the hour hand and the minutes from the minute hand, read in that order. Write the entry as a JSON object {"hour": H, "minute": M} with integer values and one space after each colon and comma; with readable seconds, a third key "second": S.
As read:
{"hour": 9, "minute": 30}
